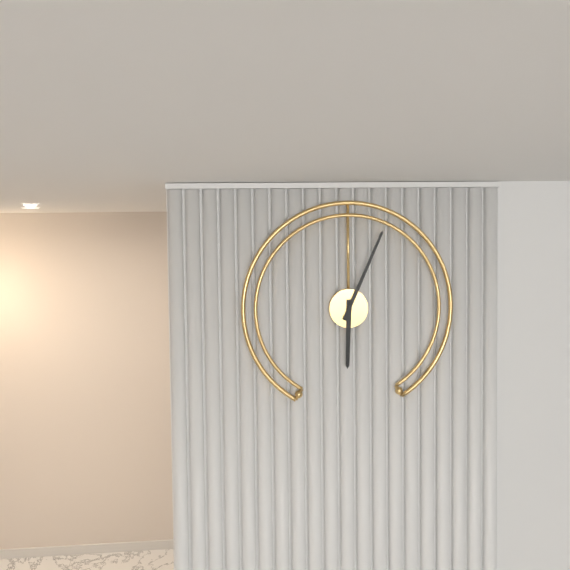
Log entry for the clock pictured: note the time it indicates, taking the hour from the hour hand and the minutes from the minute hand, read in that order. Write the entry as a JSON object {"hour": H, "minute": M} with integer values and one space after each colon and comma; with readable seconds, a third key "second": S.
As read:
{"hour": 6, "minute": 4}
